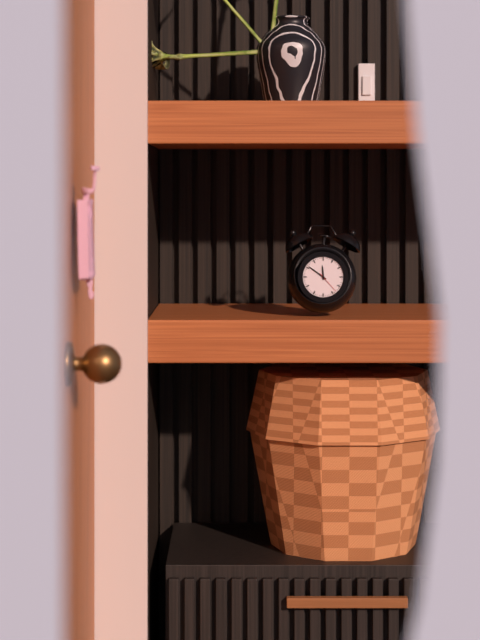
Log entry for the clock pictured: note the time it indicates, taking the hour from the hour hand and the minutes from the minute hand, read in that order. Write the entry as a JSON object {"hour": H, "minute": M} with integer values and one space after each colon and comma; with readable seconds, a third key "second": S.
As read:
{"hour": 11, "minute": 51}
